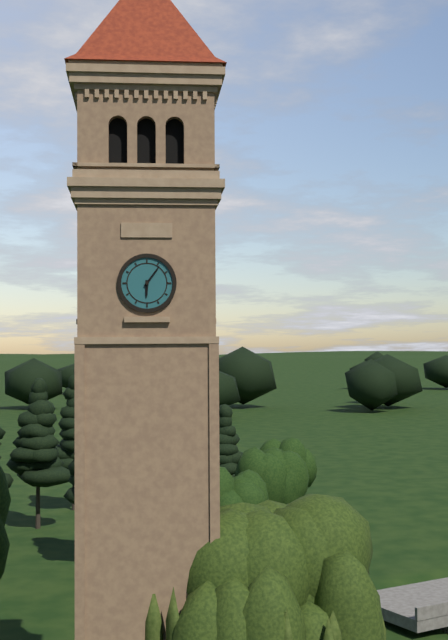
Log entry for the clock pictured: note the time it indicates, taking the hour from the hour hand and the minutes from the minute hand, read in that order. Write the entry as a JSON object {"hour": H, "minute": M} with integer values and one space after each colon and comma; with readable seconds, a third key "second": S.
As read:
{"hour": 6, "minute": 6}
